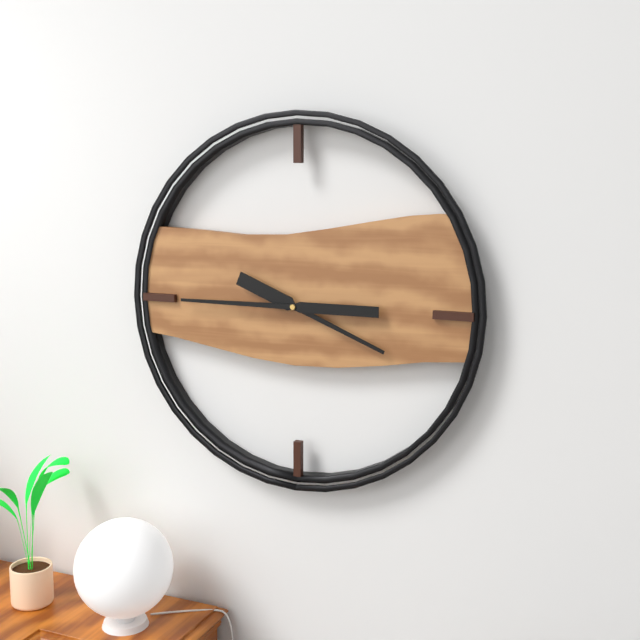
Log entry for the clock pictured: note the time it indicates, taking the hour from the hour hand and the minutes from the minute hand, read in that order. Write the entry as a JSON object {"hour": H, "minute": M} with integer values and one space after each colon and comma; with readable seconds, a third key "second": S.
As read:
{"hour": 3, "minute": 45}
